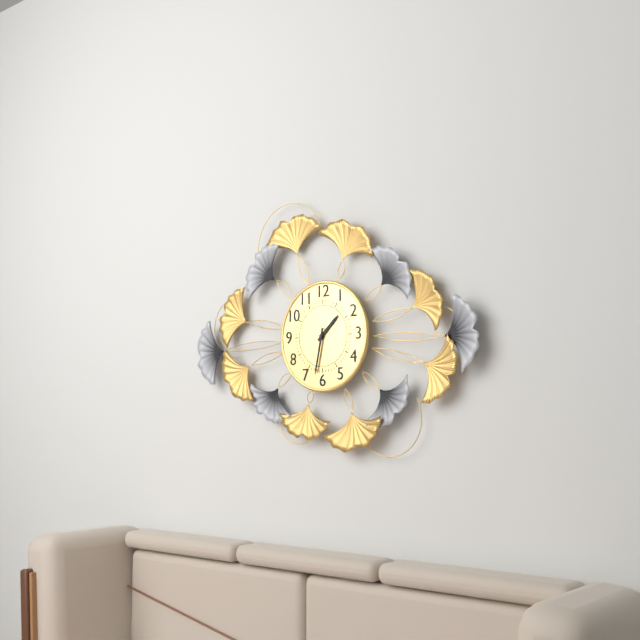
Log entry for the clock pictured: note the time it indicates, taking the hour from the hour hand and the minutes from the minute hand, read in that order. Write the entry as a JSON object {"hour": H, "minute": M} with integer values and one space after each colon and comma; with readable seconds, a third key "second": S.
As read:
{"hour": 1, "minute": 32}
